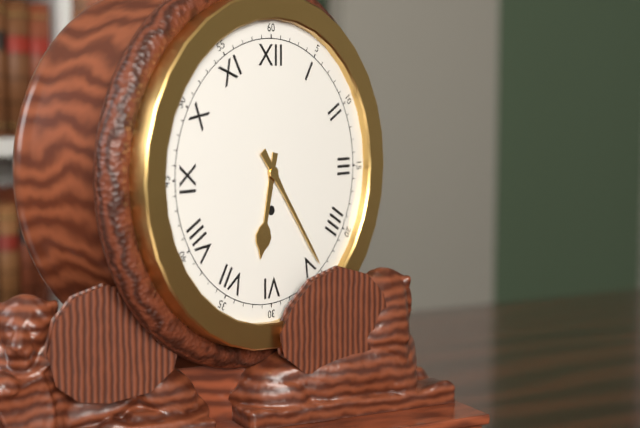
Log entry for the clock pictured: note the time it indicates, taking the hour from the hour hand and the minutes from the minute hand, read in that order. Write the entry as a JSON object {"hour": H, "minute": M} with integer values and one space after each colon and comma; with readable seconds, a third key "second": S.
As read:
{"hour": 6, "minute": 24}
